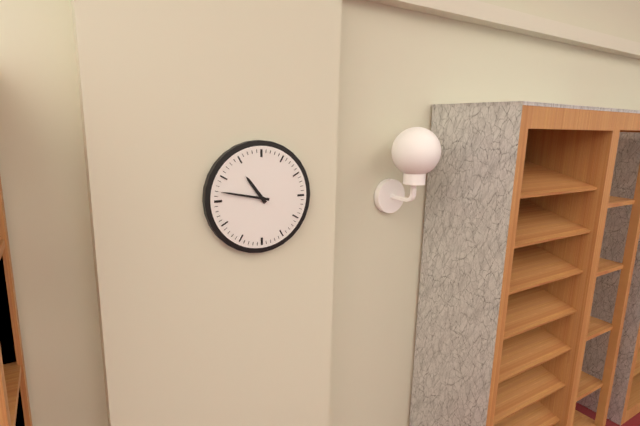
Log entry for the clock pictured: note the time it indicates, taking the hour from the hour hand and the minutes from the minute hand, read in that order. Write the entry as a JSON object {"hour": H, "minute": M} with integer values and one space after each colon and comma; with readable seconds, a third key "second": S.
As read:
{"hour": 10, "minute": 47}
